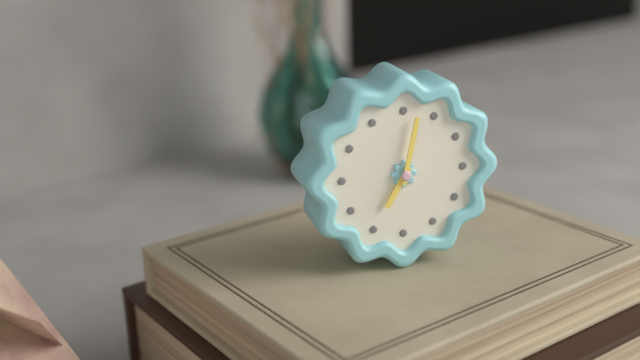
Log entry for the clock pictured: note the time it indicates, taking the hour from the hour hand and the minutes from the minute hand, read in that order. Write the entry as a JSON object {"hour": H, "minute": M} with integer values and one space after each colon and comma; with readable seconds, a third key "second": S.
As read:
{"hour": 7, "minute": 2}
